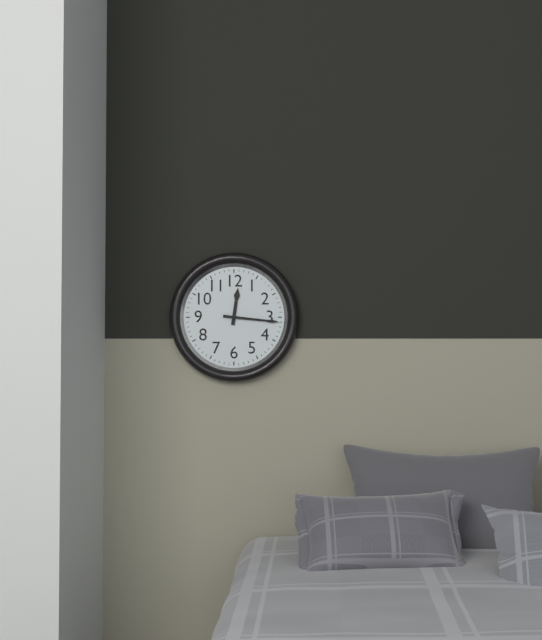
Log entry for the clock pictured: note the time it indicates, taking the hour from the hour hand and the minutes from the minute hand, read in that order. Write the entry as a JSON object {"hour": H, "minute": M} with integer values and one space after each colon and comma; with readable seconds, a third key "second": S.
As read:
{"hour": 12, "minute": 16}
